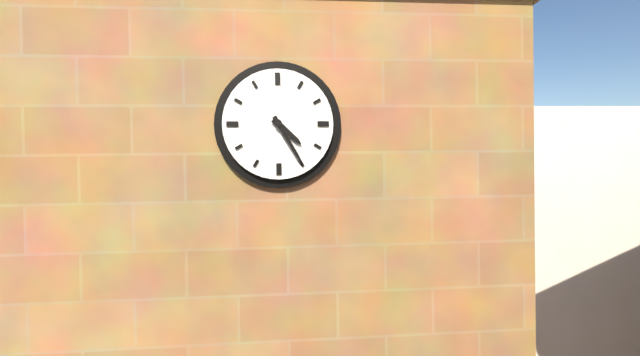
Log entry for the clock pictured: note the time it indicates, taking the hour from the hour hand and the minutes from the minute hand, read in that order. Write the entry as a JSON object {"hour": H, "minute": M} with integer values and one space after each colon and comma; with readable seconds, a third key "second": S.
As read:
{"hour": 4, "minute": 25}
